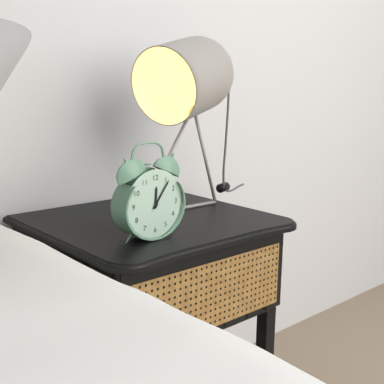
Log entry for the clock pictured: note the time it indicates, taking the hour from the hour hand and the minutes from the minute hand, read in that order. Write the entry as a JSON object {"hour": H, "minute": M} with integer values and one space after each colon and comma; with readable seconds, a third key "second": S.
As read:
{"hour": 12, "minute": 6}
